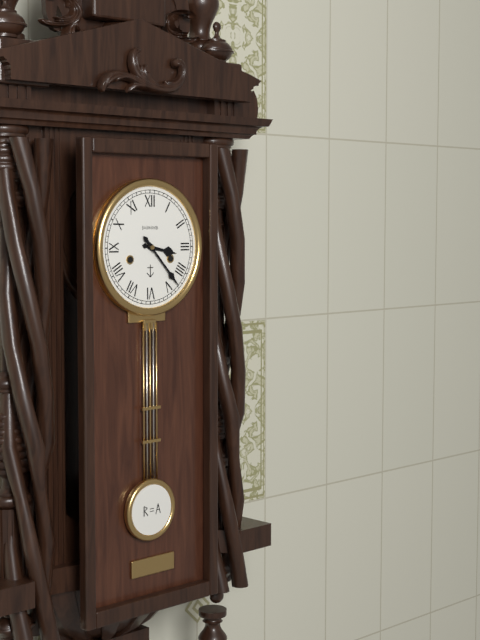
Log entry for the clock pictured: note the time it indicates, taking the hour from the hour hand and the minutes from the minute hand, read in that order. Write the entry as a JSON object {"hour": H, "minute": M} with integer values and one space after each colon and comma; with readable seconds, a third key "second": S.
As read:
{"hour": 3, "minute": 23}
